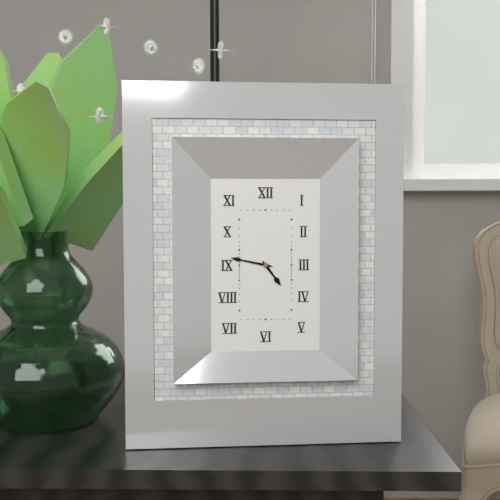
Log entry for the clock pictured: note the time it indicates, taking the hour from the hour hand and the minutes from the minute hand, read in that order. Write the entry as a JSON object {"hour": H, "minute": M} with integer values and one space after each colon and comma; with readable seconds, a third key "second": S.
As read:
{"hour": 4, "minute": 47}
